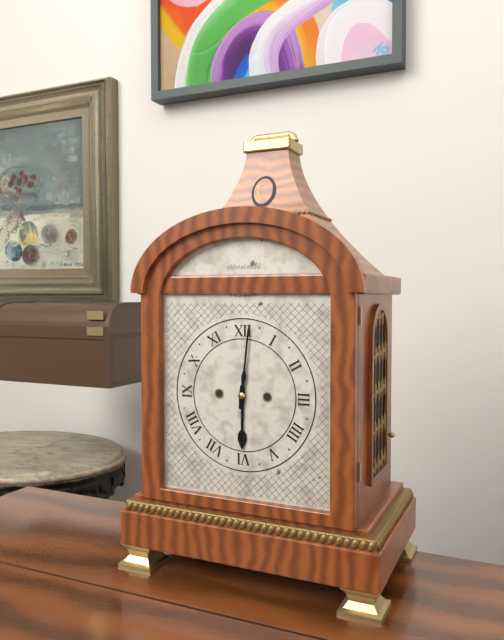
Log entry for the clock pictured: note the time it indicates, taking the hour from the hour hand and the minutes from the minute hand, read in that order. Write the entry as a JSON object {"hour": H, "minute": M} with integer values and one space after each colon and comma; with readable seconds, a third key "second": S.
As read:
{"hour": 6, "minute": 1}
